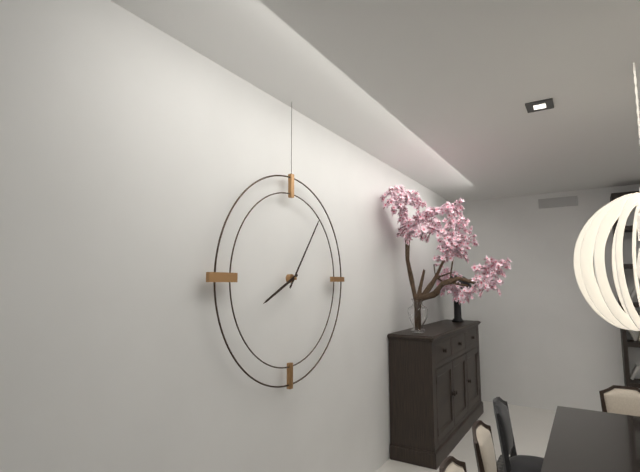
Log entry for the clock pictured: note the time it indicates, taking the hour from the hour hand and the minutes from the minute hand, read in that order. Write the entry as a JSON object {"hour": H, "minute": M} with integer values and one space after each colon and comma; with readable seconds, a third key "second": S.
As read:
{"hour": 8, "minute": 6}
